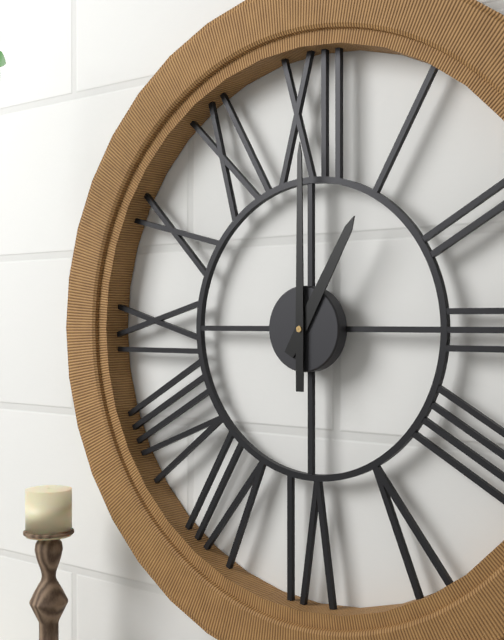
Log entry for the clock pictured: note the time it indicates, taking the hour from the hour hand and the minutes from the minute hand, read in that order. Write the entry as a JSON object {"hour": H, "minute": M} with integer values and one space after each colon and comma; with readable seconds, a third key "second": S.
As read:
{"hour": 1, "minute": 0}
